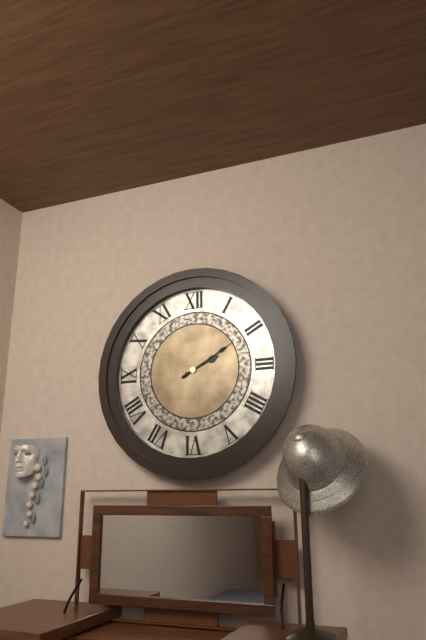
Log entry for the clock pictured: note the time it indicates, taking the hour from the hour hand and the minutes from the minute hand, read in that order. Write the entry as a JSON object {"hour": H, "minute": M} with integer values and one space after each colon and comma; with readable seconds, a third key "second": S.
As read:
{"hour": 2, "minute": 10}
